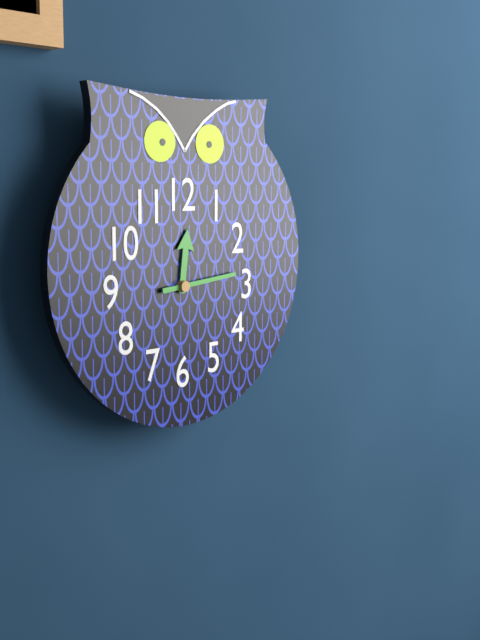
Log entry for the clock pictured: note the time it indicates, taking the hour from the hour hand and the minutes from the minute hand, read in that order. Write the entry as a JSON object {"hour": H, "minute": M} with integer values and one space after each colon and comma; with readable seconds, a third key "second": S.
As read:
{"hour": 12, "minute": 14}
